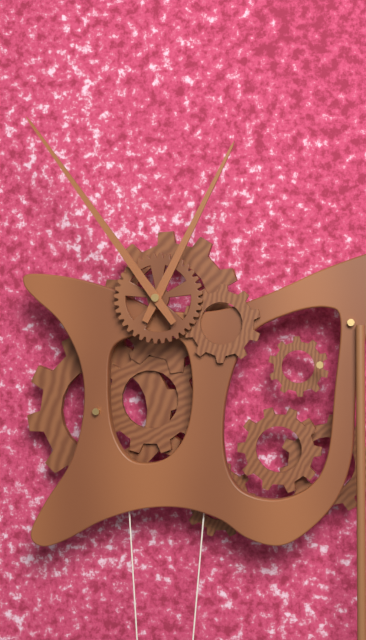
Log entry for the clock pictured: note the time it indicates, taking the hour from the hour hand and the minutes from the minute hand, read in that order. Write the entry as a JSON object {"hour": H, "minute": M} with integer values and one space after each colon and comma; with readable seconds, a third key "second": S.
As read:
{"hour": 12, "minute": 54}
